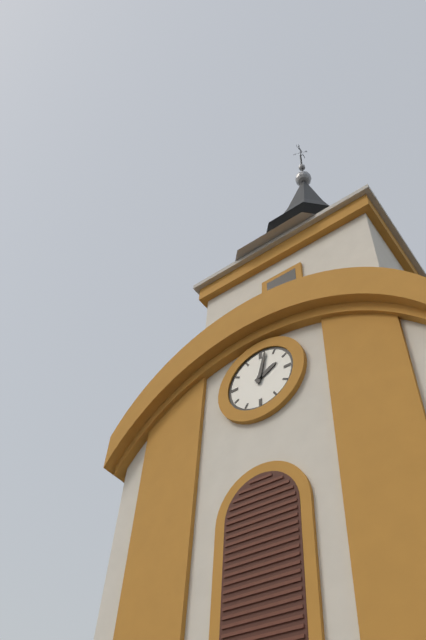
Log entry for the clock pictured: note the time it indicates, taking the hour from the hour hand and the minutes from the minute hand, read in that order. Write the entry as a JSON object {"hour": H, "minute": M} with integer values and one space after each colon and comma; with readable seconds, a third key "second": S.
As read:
{"hour": 2, "minute": 2}
